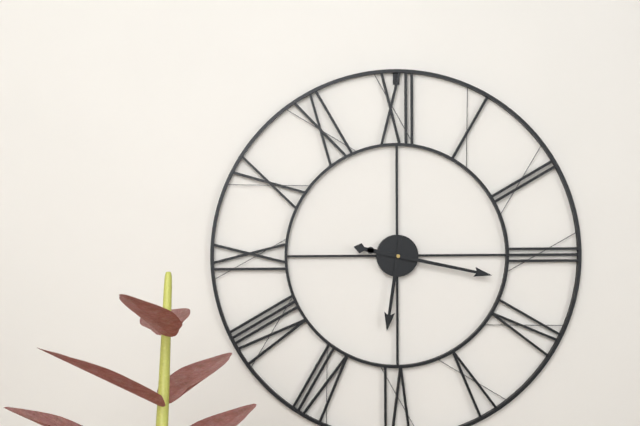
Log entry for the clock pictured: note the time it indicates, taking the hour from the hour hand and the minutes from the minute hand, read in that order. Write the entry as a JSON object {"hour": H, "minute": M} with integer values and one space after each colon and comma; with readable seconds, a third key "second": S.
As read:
{"hour": 6, "minute": 17}
